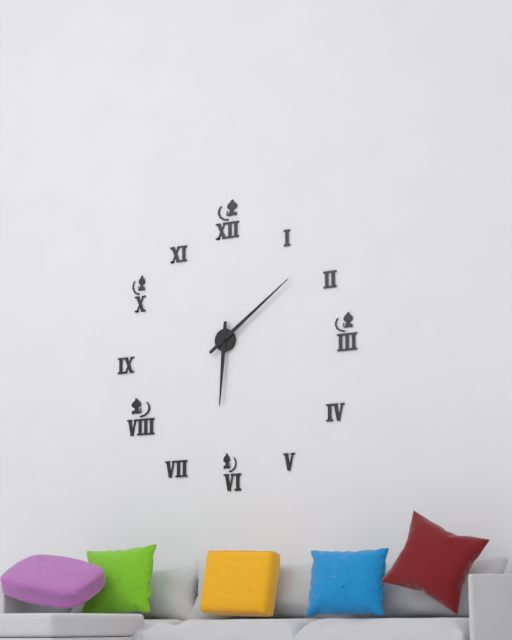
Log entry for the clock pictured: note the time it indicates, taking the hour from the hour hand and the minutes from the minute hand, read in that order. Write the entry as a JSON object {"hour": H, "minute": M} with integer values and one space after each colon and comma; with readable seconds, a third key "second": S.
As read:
{"hour": 6, "minute": 9}
